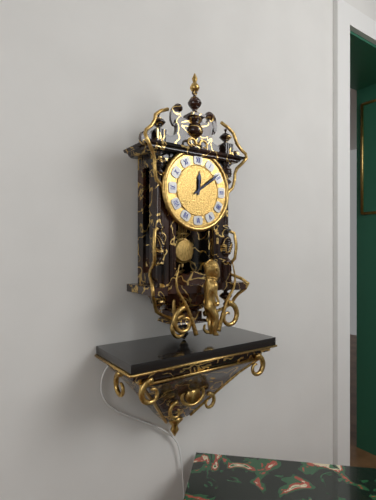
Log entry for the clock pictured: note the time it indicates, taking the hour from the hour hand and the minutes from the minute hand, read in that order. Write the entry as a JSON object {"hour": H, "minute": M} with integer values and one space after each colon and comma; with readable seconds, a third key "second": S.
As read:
{"hour": 12, "minute": 9}
